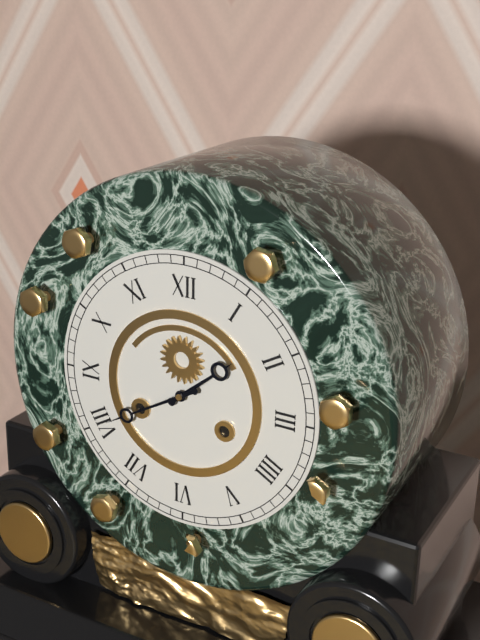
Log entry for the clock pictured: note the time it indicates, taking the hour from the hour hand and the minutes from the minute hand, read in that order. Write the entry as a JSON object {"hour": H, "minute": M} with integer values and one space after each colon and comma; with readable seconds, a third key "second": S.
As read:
{"hour": 1, "minute": 40}
